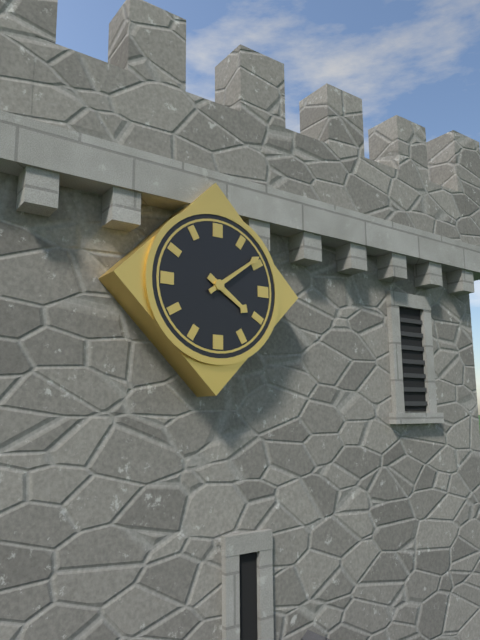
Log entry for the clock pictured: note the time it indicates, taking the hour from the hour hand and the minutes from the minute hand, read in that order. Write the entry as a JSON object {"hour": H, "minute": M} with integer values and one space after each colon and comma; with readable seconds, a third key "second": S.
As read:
{"hour": 4, "minute": 9}
